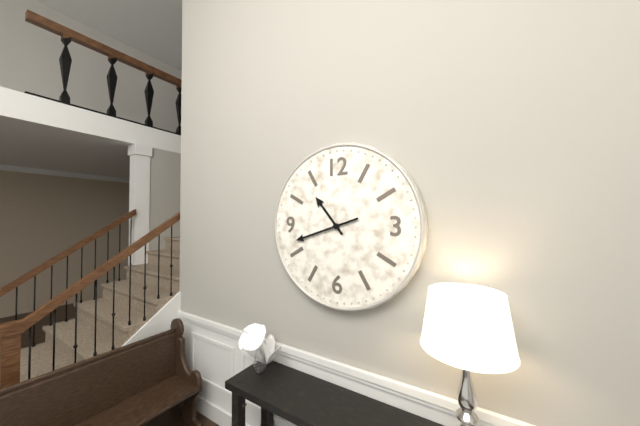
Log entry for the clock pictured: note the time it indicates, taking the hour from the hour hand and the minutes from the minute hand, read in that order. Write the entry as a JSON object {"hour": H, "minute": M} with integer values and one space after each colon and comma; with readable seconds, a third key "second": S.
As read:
{"hour": 10, "minute": 42}
